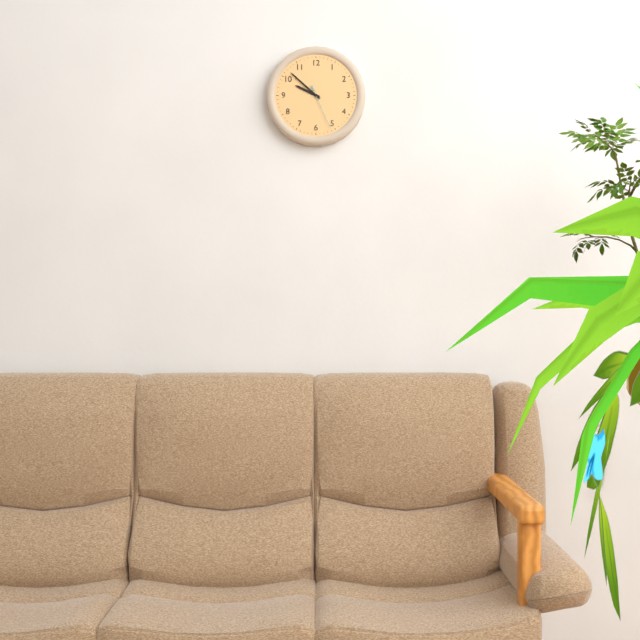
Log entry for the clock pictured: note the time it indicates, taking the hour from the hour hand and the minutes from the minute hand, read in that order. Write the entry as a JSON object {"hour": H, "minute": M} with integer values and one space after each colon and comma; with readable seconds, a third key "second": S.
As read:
{"hour": 9, "minute": 52}
